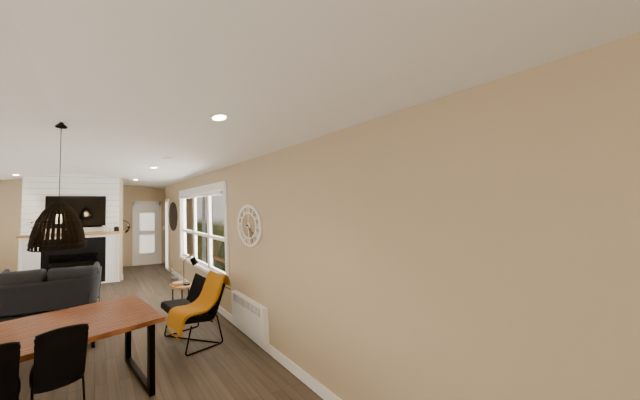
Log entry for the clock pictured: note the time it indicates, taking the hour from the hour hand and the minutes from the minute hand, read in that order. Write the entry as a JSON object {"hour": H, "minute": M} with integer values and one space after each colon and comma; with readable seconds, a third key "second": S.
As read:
{"hour": 4, "minute": 25}
